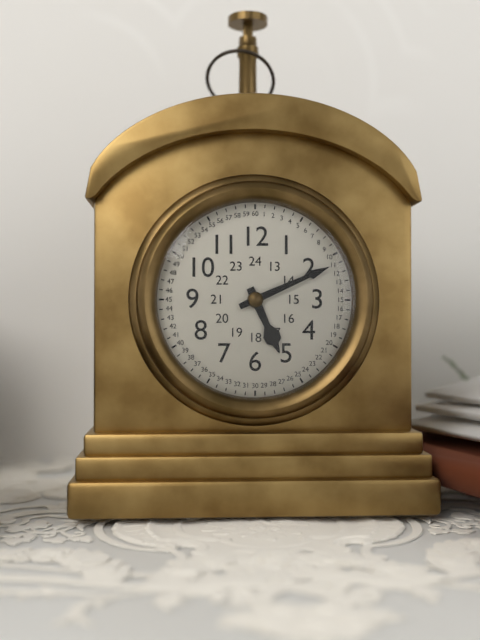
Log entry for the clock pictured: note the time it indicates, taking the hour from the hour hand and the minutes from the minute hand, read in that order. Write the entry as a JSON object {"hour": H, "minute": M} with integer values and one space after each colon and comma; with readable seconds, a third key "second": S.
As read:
{"hour": 5, "minute": 11}
